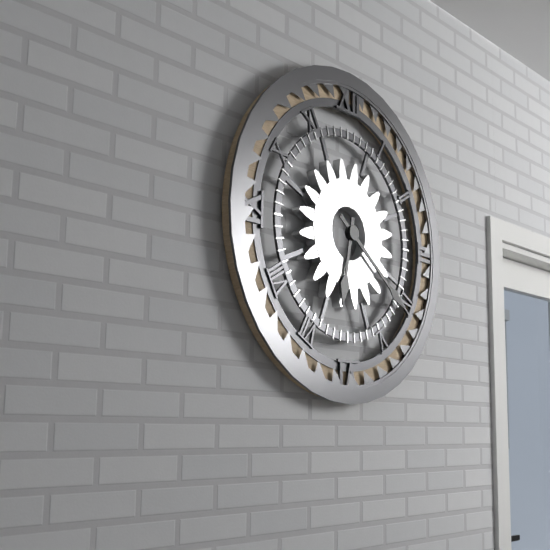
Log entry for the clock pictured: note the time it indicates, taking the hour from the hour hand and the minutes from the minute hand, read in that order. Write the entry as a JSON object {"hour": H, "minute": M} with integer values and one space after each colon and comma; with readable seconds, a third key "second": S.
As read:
{"hour": 6, "minute": 21}
